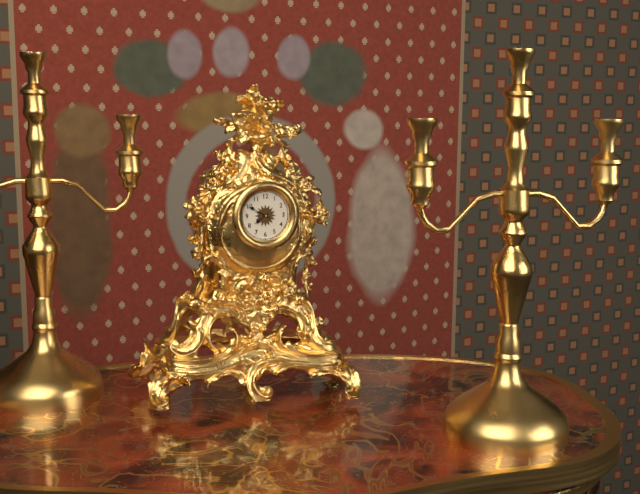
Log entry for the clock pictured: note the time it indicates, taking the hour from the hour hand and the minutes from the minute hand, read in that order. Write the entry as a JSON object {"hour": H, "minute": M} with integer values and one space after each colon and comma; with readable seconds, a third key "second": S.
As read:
{"hour": 7, "minute": 50}
